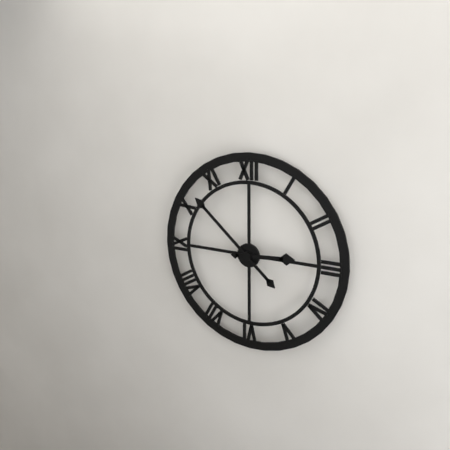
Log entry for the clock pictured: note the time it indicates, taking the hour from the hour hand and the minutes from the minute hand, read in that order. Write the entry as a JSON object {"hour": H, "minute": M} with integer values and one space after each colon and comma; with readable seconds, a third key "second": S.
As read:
{"hour": 2, "minute": 52}
